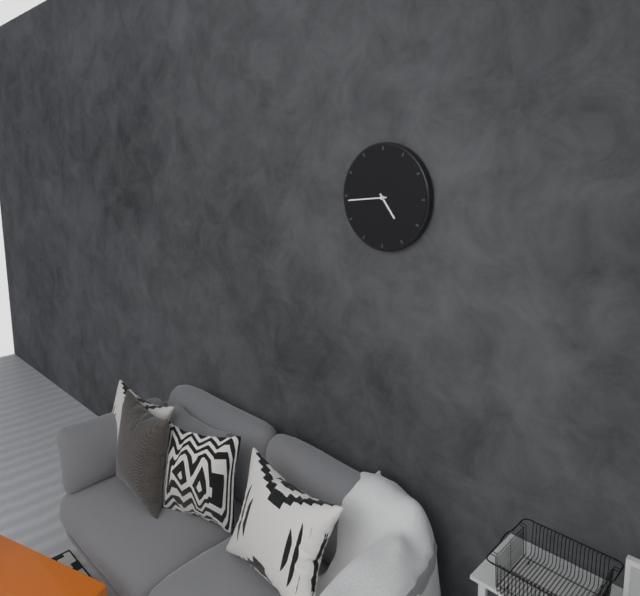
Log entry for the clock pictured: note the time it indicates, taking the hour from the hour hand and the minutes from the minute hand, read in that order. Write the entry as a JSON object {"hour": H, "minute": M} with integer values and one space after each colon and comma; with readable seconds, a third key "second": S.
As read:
{"hour": 4, "minute": 44}
